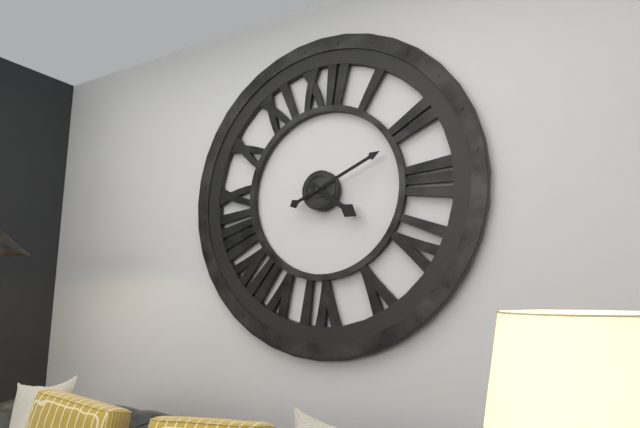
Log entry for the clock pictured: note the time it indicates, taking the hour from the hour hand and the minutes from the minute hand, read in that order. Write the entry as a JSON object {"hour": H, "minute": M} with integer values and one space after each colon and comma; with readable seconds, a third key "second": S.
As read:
{"hour": 4, "minute": 11}
